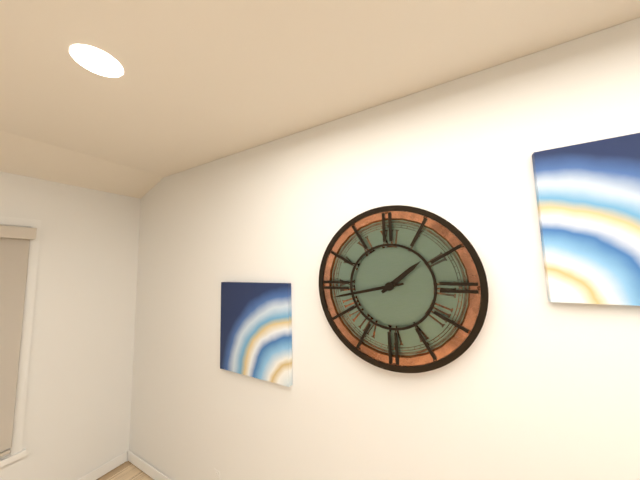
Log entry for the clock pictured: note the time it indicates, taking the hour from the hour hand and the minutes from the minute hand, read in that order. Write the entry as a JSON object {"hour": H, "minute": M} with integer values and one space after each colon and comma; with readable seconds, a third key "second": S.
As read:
{"hour": 1, "minute": 43}
